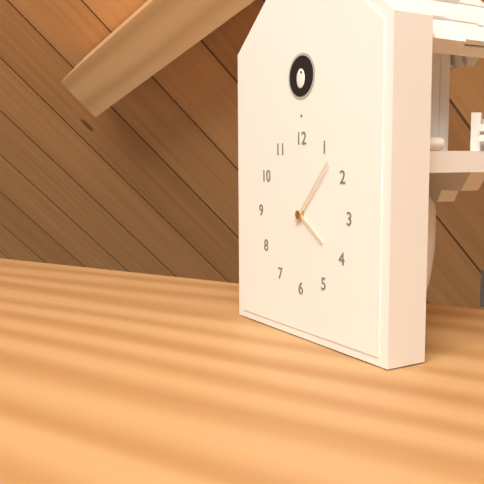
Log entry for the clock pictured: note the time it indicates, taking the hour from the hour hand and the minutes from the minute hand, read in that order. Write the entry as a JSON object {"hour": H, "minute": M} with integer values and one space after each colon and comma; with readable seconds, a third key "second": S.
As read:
{"hour": 4, "minute": 7}
